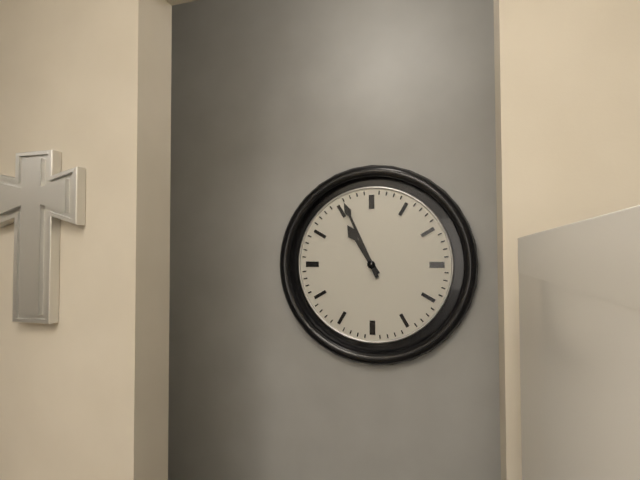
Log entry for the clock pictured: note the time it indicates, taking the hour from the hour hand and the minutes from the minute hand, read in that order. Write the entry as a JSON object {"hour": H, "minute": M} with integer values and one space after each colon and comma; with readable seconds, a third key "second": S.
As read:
{"hour": 10, "minute": 56}
